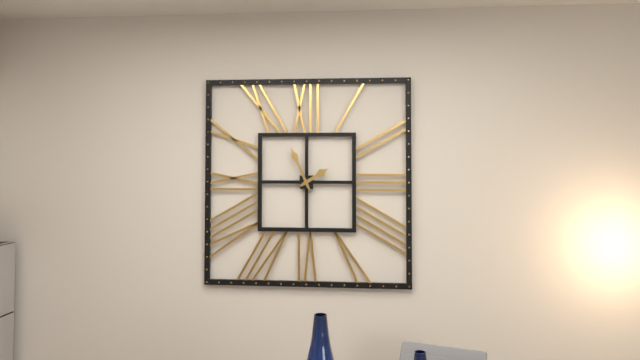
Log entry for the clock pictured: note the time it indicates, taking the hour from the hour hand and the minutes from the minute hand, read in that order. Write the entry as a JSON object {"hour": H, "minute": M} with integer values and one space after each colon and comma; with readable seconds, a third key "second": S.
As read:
{"hour": 1, "minute": 56}
